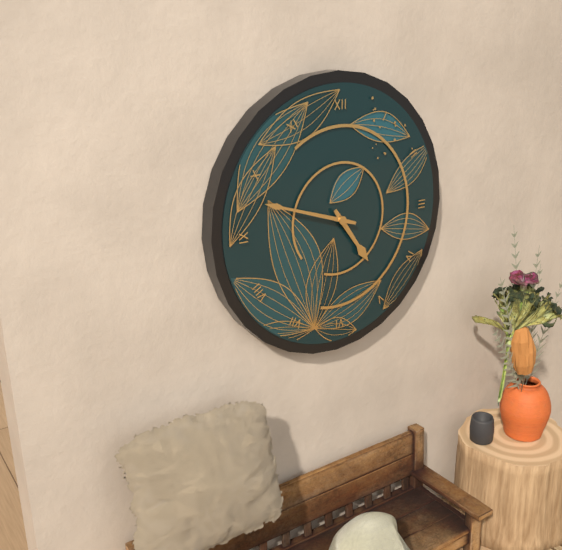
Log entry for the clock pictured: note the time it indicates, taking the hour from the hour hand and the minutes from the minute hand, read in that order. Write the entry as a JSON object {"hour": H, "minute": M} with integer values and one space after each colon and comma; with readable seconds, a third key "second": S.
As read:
{"hour": 4, "minute": 48}
